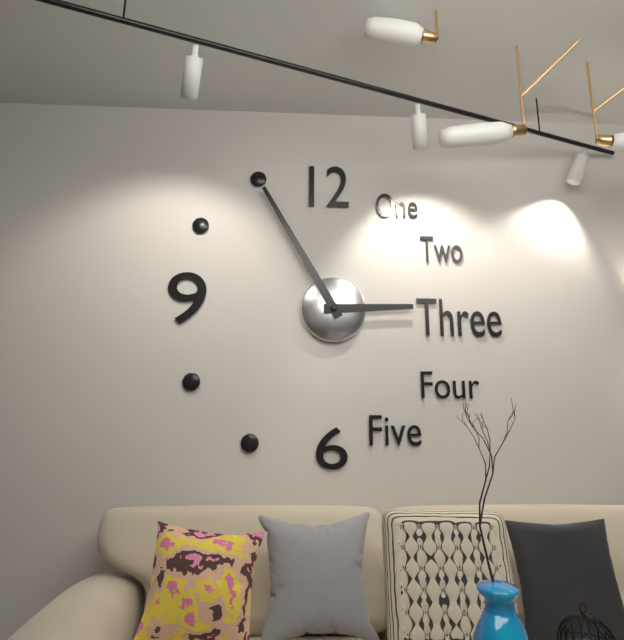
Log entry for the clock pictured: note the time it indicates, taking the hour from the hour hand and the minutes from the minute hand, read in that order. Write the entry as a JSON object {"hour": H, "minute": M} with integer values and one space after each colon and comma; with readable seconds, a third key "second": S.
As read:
{"hour": 2, "minute": 55}
